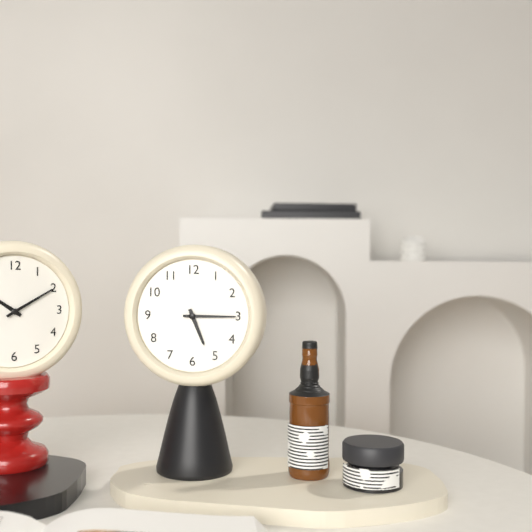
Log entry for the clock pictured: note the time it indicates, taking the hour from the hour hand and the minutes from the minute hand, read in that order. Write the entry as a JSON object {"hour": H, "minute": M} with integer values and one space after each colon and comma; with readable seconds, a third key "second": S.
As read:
{"hour": 5, "minute": 15}
